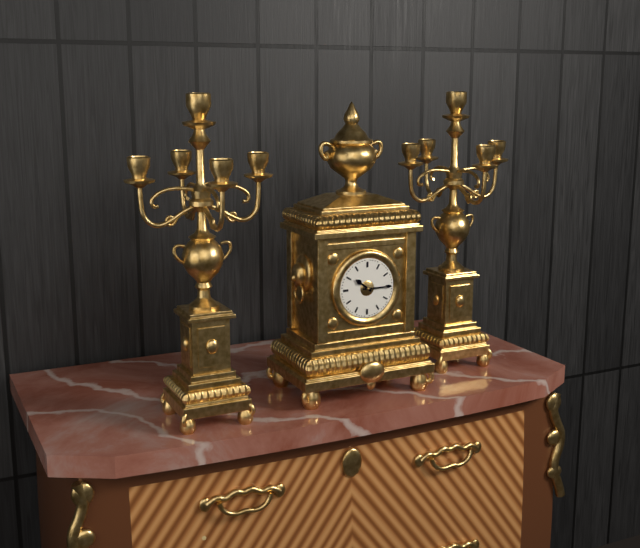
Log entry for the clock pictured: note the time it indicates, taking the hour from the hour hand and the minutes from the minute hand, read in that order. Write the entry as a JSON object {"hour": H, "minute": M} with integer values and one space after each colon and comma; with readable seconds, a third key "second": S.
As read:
{"hour": 10, "minute": 15}
